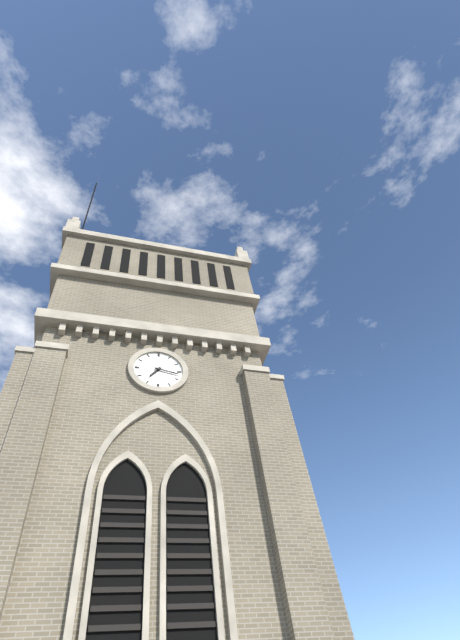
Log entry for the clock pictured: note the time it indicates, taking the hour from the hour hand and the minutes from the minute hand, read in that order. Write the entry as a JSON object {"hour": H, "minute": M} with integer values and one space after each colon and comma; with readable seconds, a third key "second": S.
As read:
{"hour": 7, "minute": 17}
